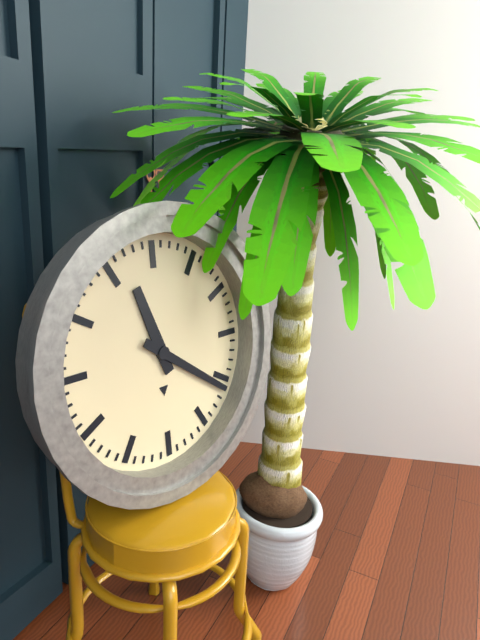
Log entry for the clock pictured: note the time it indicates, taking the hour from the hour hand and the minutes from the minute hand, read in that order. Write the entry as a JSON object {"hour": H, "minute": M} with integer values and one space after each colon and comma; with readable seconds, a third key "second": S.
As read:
{"hour": 11, "minute": 21}
